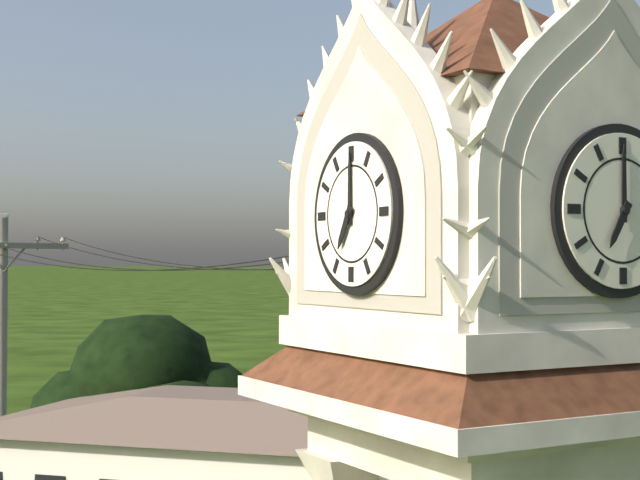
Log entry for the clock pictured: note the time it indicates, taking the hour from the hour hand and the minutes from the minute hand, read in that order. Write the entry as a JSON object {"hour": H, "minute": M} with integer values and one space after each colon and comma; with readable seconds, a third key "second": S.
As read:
{"hour": 7, "minute": 0}
